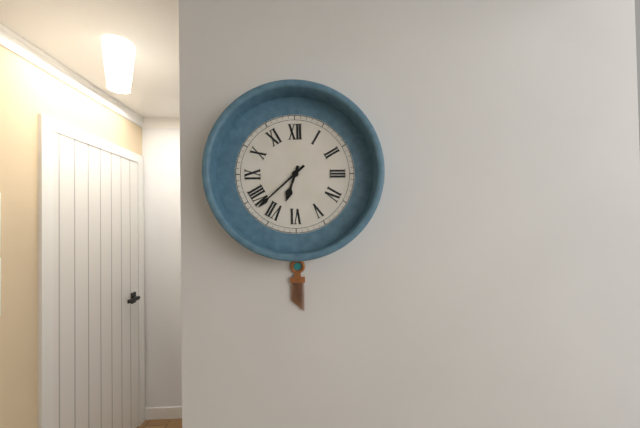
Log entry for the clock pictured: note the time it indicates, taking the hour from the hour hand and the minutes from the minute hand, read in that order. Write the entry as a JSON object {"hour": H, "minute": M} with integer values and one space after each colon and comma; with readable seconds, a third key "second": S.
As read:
{"hour": 6, "minute": 38}
